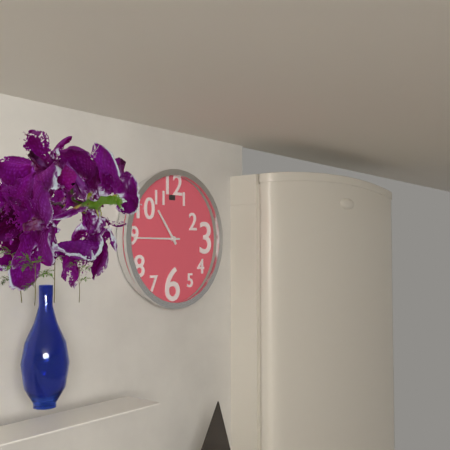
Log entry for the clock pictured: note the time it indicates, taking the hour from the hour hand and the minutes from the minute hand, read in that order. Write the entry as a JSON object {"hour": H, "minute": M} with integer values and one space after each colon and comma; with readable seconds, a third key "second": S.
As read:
{"hour": 10, "minute": 45}
